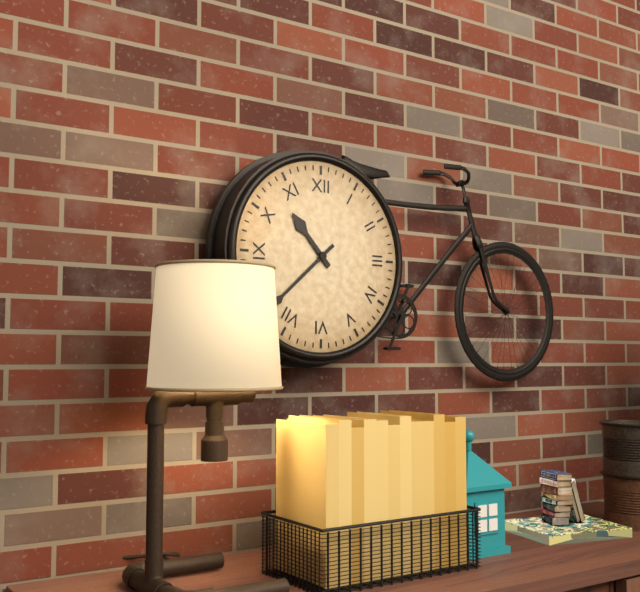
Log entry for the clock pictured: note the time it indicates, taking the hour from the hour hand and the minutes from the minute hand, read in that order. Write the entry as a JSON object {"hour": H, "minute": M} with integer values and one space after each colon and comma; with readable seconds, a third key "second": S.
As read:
{"hour": 10, "minute": 38}
